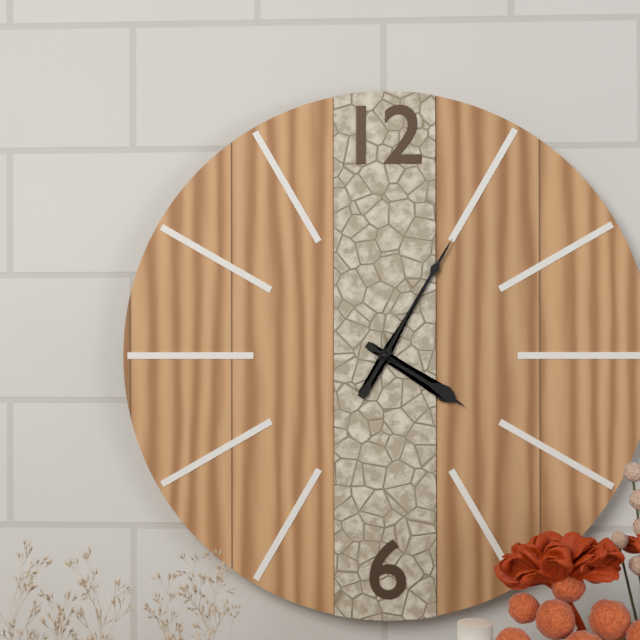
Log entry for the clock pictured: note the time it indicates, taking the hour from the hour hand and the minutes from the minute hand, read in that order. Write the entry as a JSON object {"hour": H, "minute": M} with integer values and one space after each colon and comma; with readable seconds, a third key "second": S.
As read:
{"hour": 4, "minute": 5}
